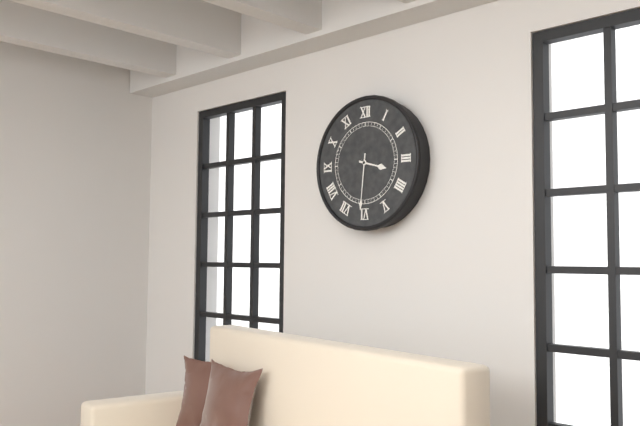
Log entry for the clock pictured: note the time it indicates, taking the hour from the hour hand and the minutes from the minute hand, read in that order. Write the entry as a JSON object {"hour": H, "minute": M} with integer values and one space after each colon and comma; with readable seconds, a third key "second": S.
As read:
{"hour": 3, "minute": 31}
